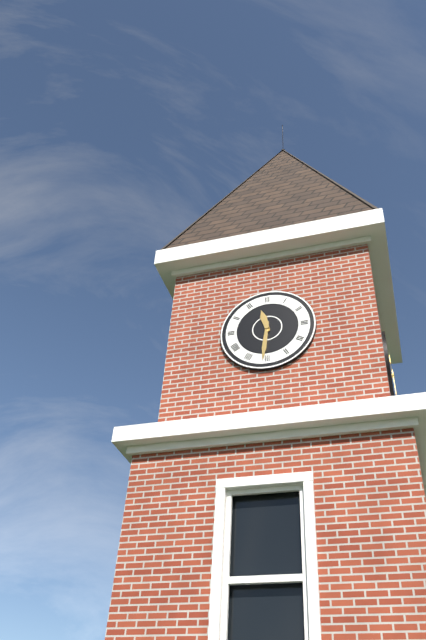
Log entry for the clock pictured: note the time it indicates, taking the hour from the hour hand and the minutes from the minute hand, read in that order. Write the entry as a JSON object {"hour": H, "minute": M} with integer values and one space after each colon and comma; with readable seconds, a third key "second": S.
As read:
{"hour": 11, "minute": 31}
